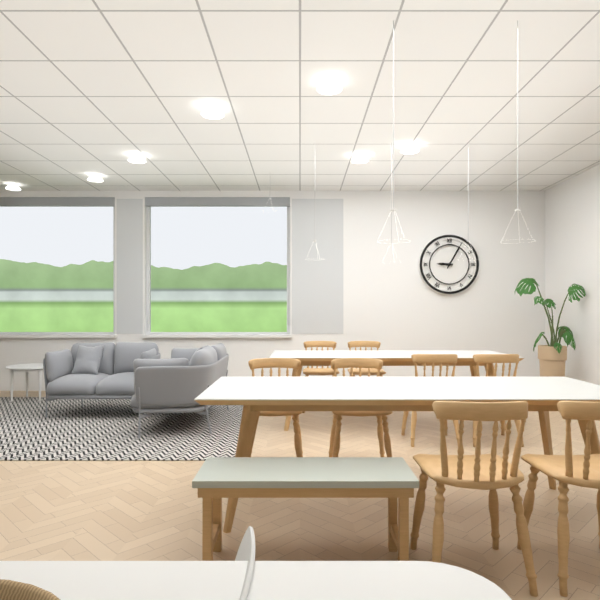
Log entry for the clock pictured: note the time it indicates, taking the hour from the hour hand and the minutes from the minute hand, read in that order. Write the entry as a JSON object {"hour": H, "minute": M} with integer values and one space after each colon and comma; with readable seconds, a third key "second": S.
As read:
{"hour": 9, "minute": 5}
